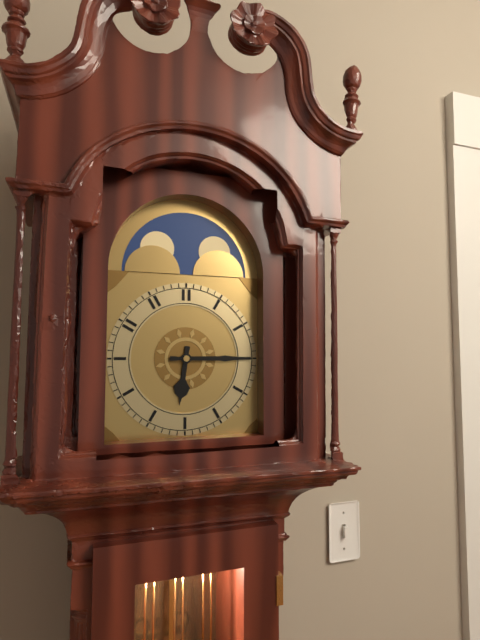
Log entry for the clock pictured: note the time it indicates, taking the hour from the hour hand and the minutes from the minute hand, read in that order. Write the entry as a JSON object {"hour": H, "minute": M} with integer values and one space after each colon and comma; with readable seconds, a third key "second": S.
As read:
{"hour": 6, "minute": 15}
